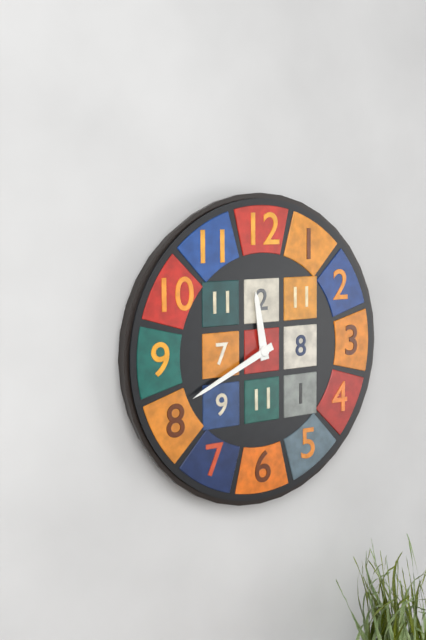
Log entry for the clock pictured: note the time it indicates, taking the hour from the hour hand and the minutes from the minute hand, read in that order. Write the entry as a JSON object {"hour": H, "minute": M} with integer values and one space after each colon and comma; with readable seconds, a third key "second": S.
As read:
{"hour": 11, "minute": 41}
